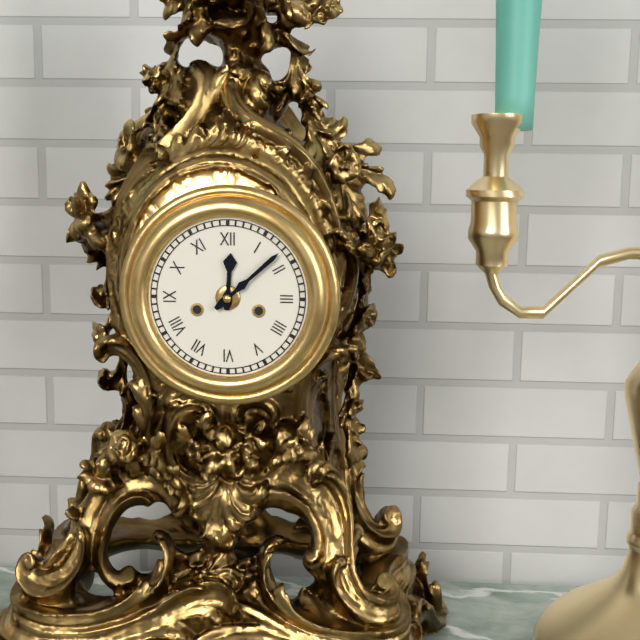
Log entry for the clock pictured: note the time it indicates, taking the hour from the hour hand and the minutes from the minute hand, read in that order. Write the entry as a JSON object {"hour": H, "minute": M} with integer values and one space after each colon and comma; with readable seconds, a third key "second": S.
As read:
{"hour": 12, "minute": 8}
